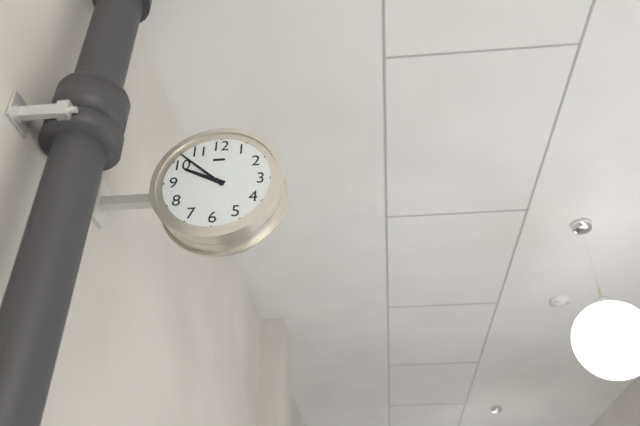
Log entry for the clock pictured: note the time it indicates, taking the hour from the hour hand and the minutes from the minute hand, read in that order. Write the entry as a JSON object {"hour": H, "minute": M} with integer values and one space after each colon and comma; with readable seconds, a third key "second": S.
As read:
{"hour": 9, "minute": 52}
